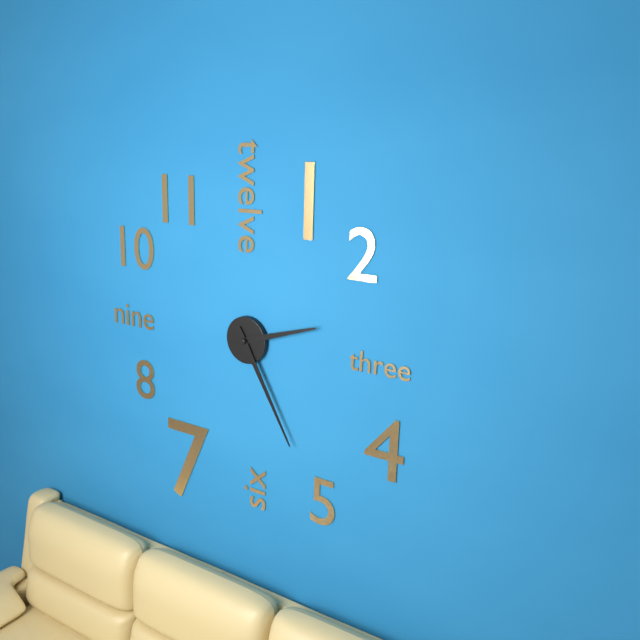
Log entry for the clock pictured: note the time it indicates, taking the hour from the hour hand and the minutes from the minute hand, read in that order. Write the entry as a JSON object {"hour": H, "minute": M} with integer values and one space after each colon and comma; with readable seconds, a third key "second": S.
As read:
{"hour": 2, "minute": 25}
